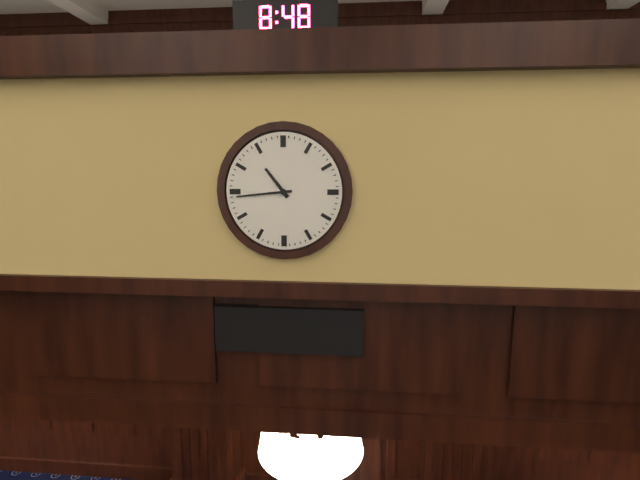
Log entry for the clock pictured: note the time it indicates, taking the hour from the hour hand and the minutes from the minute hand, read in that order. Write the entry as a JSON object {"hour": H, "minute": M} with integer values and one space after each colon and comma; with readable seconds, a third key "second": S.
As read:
{"hour": 10, "minute": 44}
